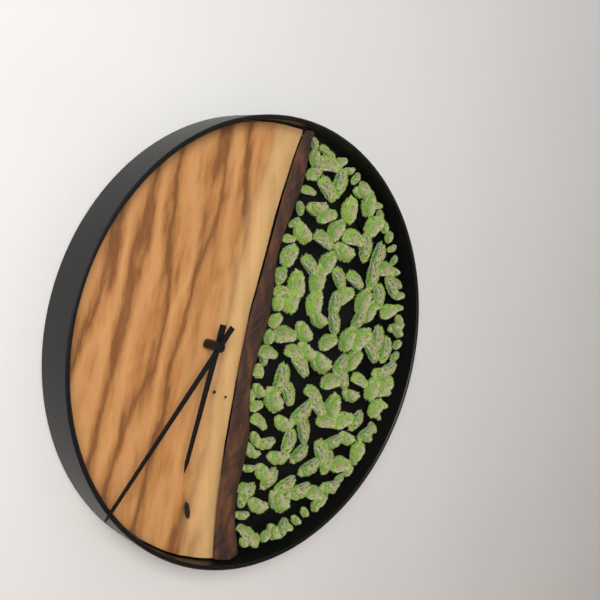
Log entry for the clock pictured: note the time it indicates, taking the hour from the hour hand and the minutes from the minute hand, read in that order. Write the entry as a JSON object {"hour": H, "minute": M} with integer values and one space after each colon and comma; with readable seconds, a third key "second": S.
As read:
{"hour": 6, "minute": 37}
